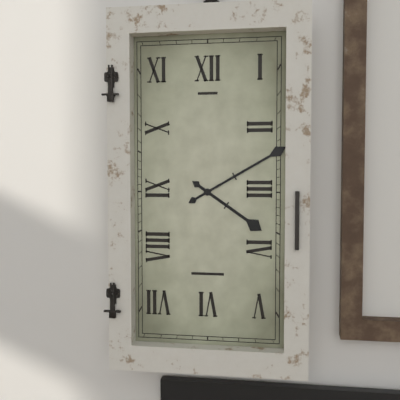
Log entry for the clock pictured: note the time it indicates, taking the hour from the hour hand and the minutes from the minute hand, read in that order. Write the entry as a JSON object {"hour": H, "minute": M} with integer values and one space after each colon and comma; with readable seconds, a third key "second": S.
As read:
{"hour": 4, "minute": 10}
